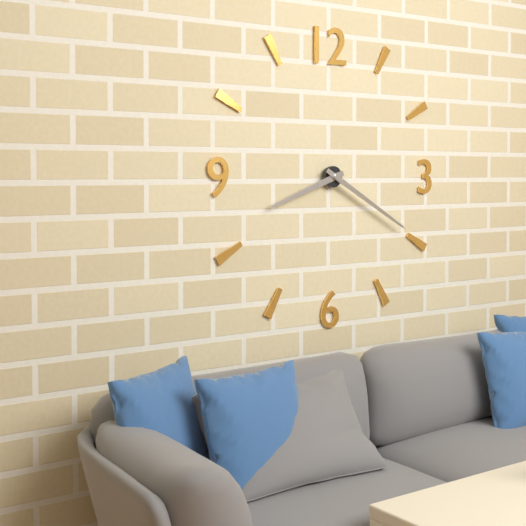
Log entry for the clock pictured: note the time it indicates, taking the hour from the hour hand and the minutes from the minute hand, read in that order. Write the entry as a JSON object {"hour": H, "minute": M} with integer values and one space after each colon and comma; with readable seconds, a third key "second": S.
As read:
{"hour": 8, "minute": 20}
